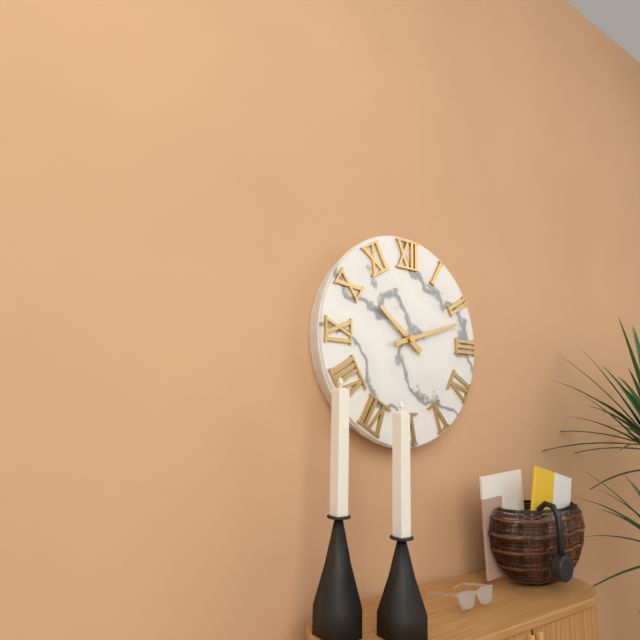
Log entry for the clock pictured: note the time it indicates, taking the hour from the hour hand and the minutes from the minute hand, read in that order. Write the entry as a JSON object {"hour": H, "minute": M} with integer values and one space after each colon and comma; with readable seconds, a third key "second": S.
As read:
{"hour": 10, "minute": 12}
